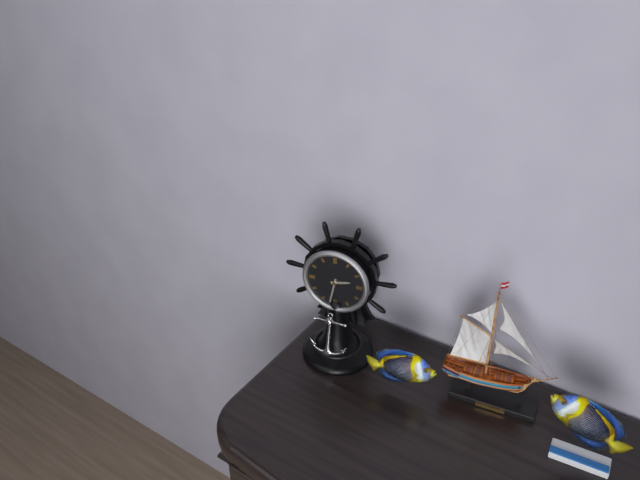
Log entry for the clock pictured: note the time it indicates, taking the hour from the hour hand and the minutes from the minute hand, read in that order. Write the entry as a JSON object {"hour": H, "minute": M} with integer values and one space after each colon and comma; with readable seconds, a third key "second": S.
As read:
{"hour": 2, "minute": 32}
